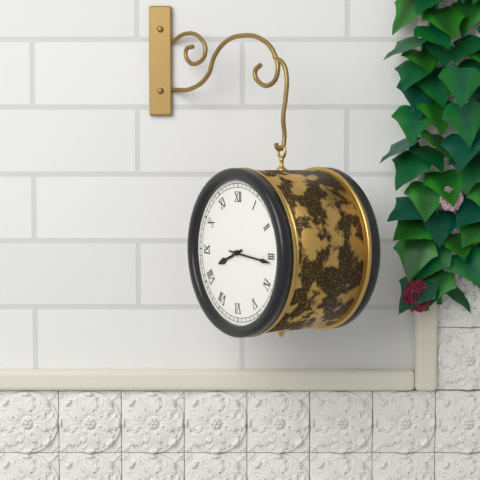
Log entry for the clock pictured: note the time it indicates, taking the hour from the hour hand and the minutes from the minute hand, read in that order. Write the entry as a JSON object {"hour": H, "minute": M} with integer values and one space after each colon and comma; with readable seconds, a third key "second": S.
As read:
{"hour": 8, "minute": 16}
